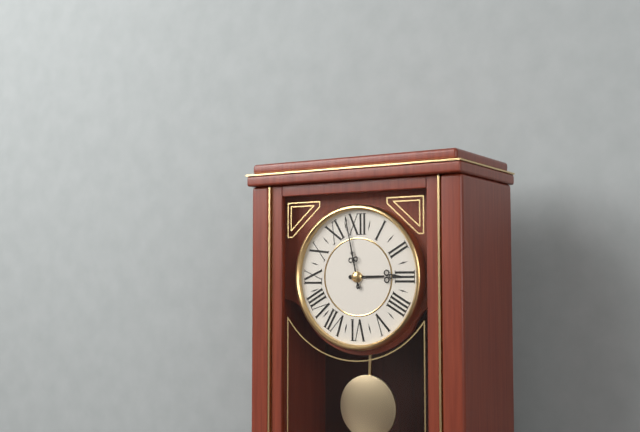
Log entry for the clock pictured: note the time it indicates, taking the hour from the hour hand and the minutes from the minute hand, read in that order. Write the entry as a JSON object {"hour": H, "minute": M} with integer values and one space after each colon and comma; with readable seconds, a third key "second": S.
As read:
{"hour": 2, "minute": 58}
